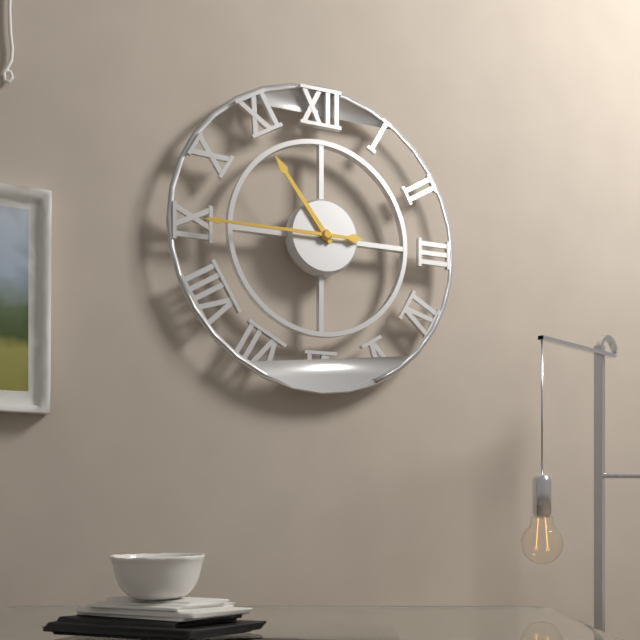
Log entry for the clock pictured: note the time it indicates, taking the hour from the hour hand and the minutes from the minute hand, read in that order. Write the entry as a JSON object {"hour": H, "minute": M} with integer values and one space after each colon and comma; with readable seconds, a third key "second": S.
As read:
{"hour": 10, "minute": 45}
